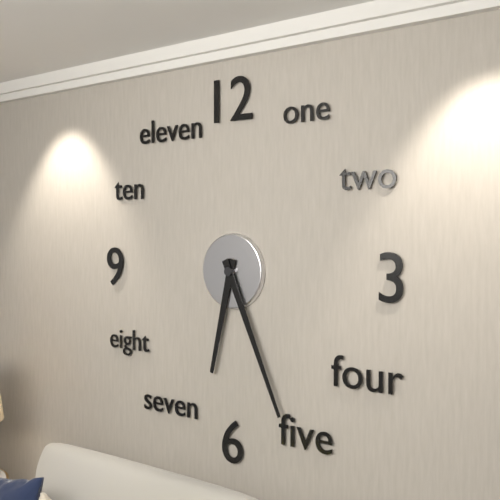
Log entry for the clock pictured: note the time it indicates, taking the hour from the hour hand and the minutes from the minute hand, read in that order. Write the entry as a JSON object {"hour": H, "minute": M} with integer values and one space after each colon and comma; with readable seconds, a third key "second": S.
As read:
{"hour": 6, "minute": 26}
